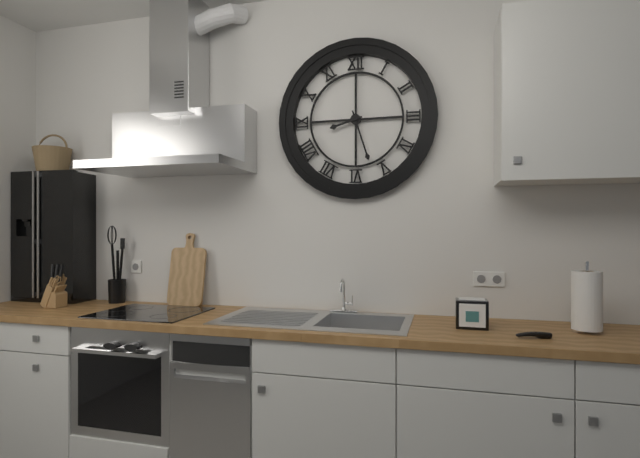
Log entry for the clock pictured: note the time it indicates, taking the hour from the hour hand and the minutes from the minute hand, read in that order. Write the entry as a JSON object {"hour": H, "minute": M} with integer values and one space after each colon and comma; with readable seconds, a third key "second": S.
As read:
{"hour": 8, "minute": 27}
